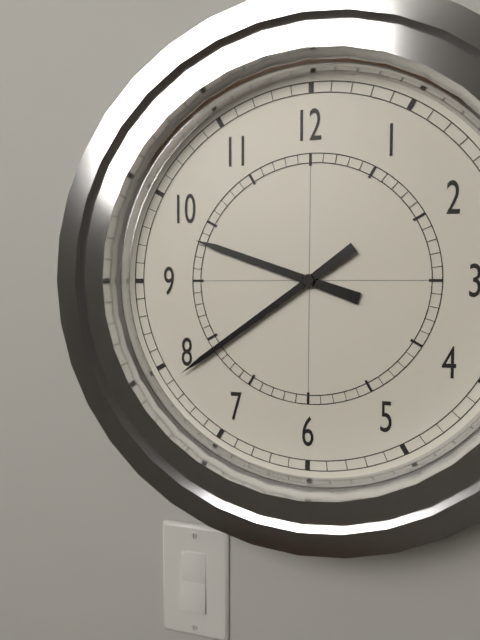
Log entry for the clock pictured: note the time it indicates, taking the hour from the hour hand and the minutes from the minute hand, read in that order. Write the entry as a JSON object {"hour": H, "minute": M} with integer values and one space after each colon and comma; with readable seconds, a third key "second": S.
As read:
{"hour": 9, "minute": 39}
